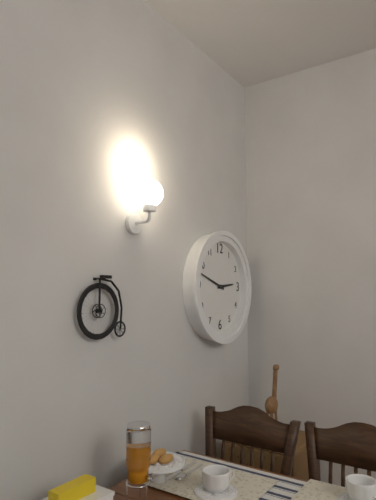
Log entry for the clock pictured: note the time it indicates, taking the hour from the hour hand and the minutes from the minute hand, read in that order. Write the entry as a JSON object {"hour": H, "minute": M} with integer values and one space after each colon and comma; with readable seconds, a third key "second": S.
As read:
{"hour": 2, "minute": 48}
